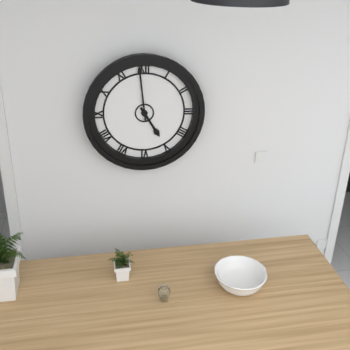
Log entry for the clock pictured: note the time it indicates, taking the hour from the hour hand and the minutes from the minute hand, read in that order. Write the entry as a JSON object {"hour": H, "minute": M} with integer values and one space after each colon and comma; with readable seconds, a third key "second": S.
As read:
{"hour": 4, "minute": 59}
